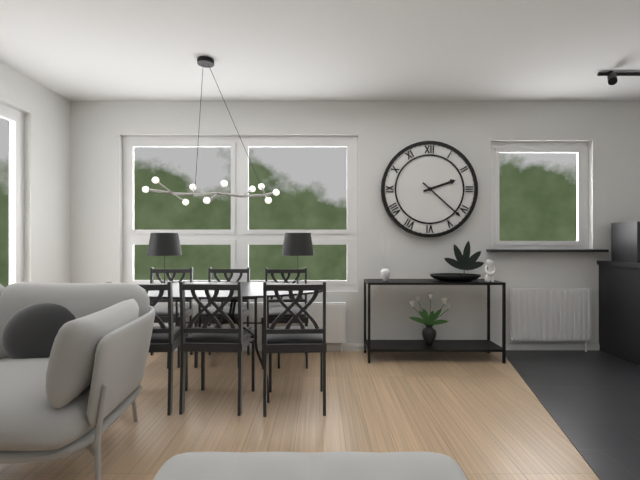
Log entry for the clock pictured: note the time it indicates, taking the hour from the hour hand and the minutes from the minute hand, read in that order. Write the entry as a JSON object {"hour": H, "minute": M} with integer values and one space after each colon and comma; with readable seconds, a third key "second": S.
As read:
{"hour": 2, "minute": 22}
